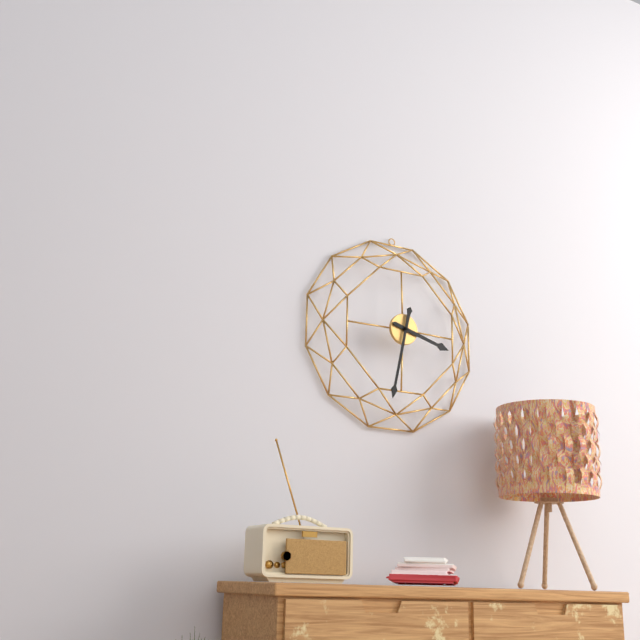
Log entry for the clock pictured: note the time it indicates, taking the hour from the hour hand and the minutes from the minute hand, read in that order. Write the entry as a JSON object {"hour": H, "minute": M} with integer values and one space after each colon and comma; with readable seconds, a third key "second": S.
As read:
{"hour": 3, "minute": 32}
